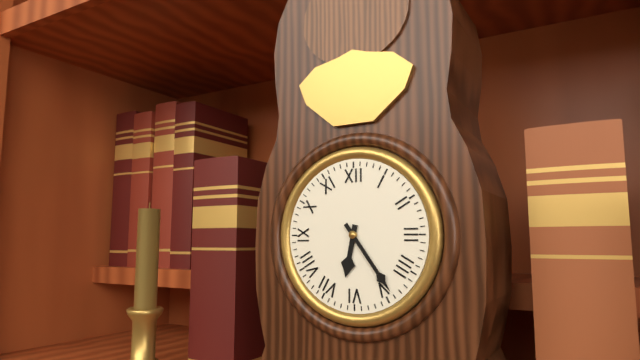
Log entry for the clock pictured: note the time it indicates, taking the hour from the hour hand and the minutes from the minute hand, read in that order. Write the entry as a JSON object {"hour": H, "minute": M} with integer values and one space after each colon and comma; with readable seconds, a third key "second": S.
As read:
{"hour": 6, "minute": 24}
